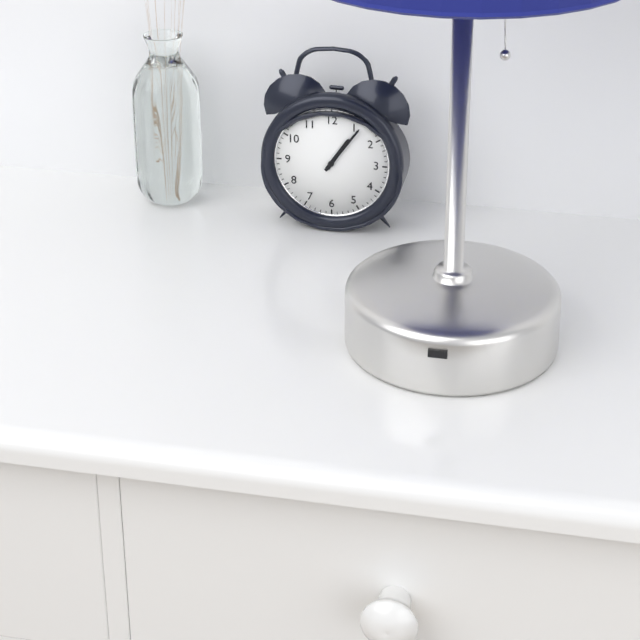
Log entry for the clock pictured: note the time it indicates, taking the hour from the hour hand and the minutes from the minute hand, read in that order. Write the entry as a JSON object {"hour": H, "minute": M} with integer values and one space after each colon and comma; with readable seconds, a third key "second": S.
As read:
{"hour": 1, "minute": 6}
